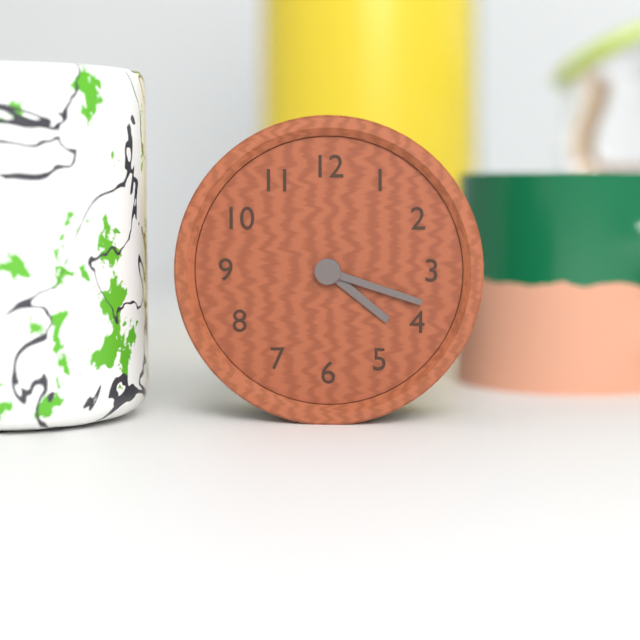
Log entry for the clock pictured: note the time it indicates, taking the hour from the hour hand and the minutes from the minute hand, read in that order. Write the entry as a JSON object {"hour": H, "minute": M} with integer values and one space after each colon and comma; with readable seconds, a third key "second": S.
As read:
{"hour": 4, "minute": 18}
